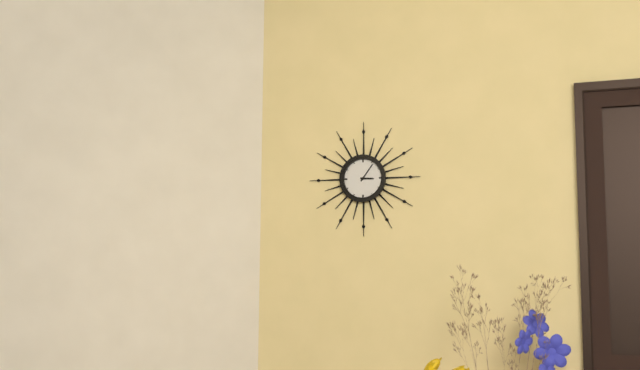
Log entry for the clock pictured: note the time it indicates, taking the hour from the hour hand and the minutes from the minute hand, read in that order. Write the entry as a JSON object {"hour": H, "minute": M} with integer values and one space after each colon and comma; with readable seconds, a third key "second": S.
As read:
{"hour": 3, "minute": 6}
